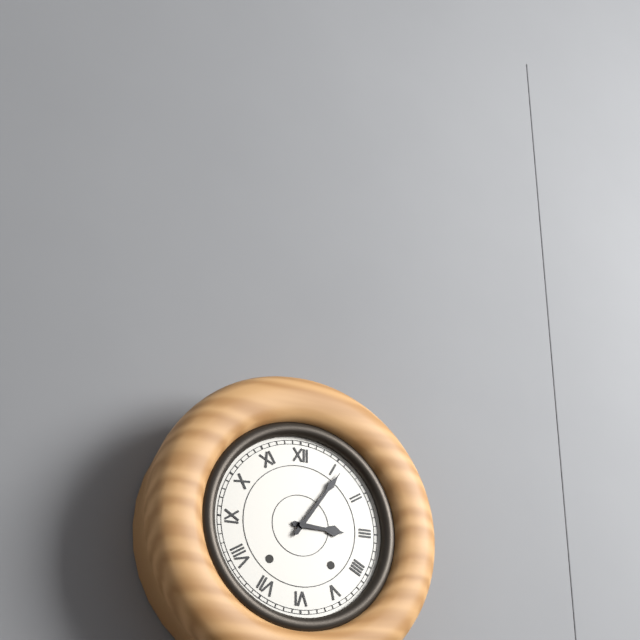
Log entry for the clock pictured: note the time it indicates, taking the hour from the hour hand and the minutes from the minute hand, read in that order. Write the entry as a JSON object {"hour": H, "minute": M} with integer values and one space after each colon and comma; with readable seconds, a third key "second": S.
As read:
{"hour": 3, "minute": 6}
